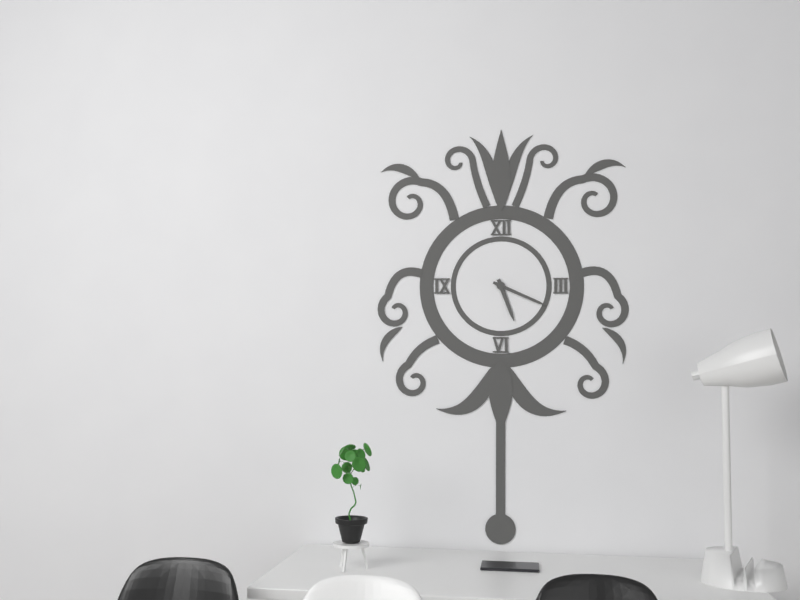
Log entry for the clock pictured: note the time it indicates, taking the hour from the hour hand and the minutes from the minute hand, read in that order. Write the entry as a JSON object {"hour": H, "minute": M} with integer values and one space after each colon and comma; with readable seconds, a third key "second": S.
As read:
{"hour": 5, "minute": 19}
